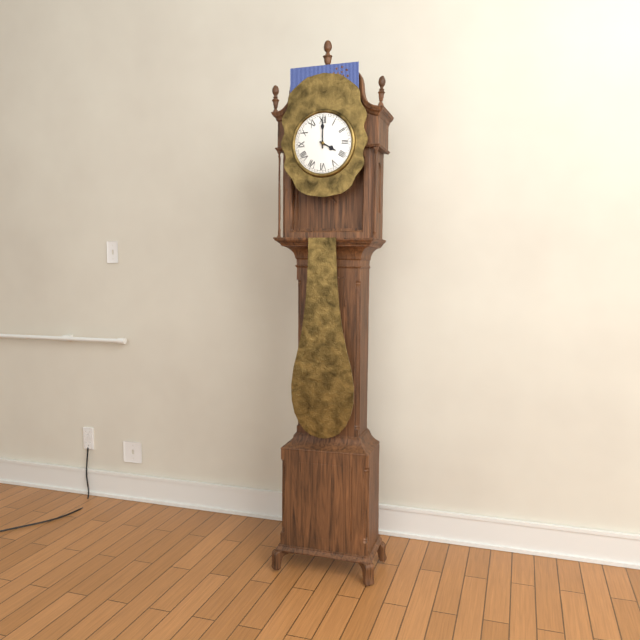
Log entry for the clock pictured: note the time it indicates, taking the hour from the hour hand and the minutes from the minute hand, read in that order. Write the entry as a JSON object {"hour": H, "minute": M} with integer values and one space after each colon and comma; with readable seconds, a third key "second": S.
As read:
{"hour": 4, "minute": 0}
